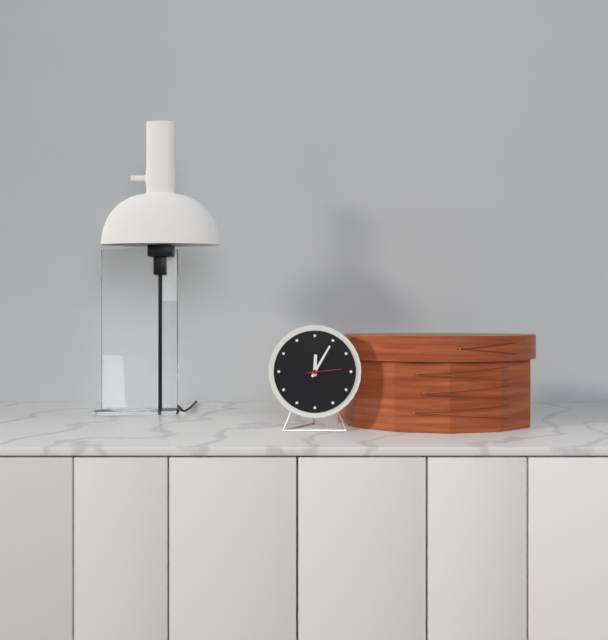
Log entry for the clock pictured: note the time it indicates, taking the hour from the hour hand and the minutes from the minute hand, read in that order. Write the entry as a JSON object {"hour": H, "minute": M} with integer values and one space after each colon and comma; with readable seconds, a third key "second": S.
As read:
{"hour": 12, "minute": 5}
